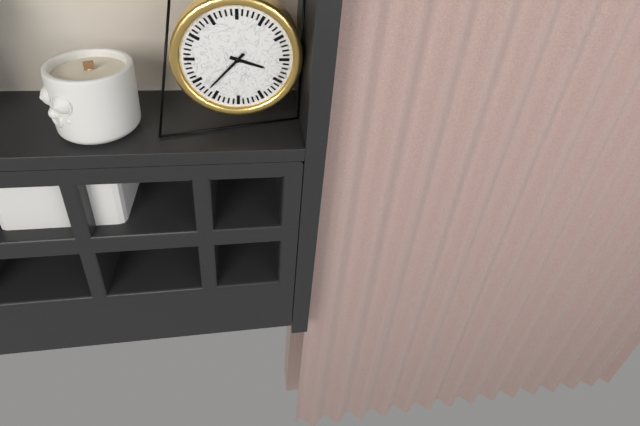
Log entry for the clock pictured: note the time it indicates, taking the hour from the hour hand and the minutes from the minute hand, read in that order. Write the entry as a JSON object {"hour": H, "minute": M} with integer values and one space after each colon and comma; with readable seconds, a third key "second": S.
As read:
{"hour": 3, "minute": 37}
